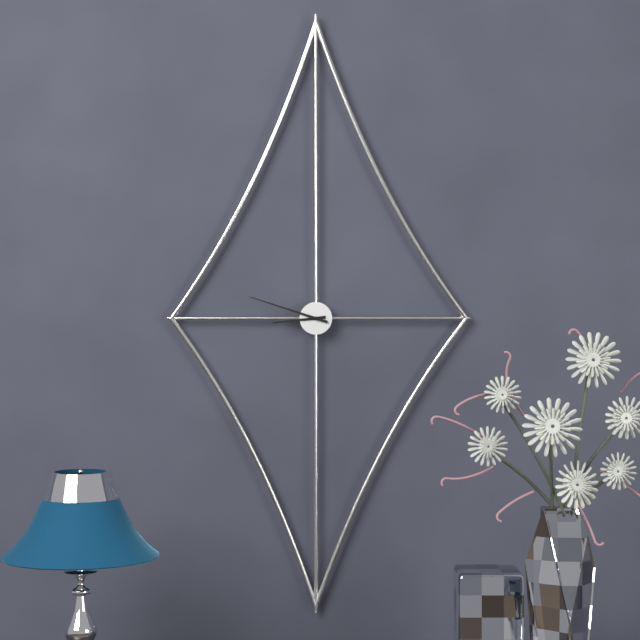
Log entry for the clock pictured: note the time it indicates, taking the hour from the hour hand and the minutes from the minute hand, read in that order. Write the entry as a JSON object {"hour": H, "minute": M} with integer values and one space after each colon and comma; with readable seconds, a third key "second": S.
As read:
{"hour": 8, "minute": 48}
